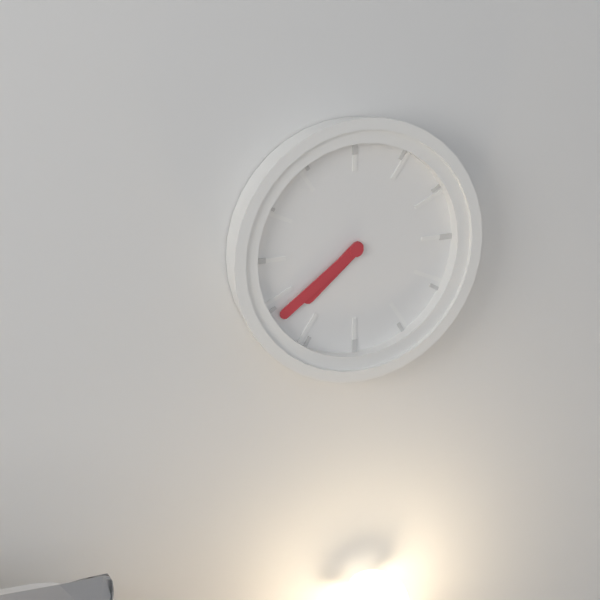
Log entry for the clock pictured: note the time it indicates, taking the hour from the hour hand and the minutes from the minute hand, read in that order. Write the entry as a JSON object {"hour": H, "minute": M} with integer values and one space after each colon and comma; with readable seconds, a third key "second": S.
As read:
{"hour": 7, "minute": 39}
